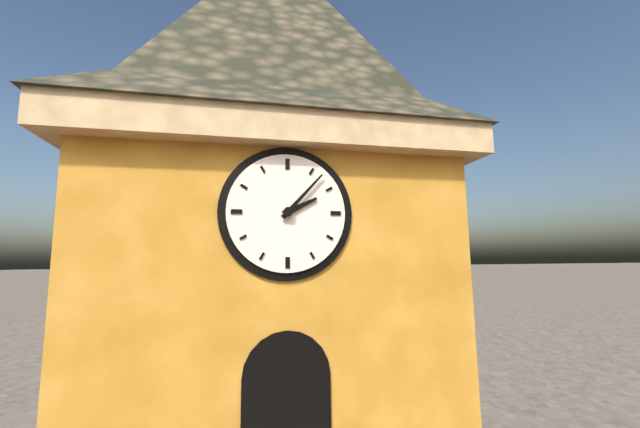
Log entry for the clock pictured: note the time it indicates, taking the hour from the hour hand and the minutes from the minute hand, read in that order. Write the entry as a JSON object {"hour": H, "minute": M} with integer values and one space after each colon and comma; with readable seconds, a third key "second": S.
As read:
{"hour": 2, "minute": 7}
